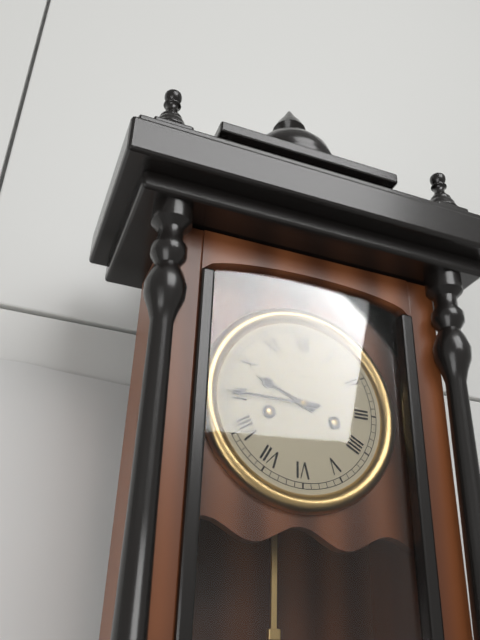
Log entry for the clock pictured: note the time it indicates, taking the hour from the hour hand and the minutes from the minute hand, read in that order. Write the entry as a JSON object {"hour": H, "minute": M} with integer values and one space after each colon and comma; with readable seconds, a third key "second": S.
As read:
{"hour": 9, "minute": 45}
